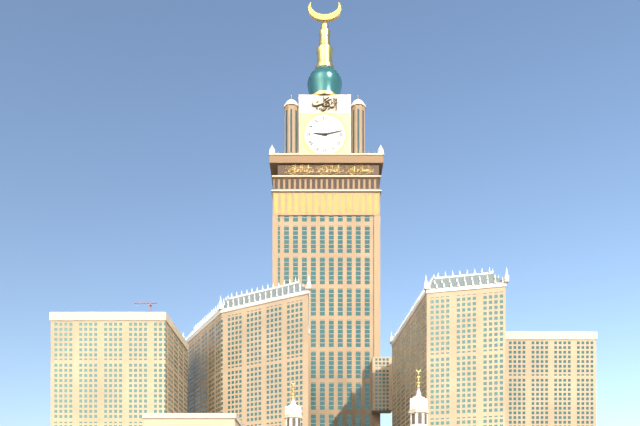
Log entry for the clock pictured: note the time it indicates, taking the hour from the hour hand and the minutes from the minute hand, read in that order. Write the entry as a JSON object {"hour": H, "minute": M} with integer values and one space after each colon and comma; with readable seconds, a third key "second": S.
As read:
{"hour": 9, "minute": 13}
